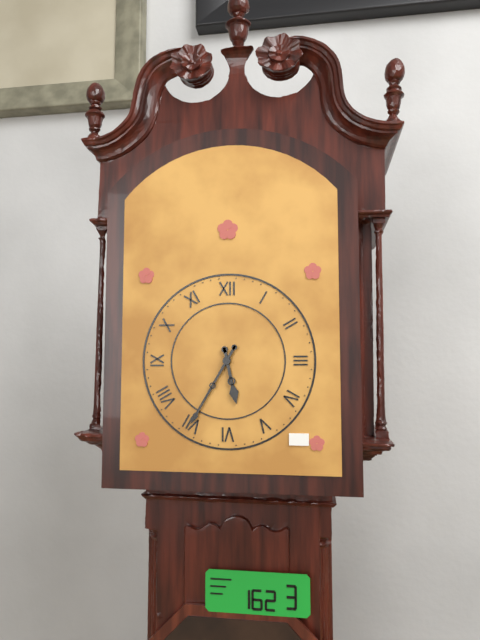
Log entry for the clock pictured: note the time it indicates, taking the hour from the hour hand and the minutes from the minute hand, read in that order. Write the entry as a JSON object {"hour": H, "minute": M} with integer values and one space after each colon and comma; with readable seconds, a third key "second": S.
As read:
{"hour": 5, "minute": 35}
